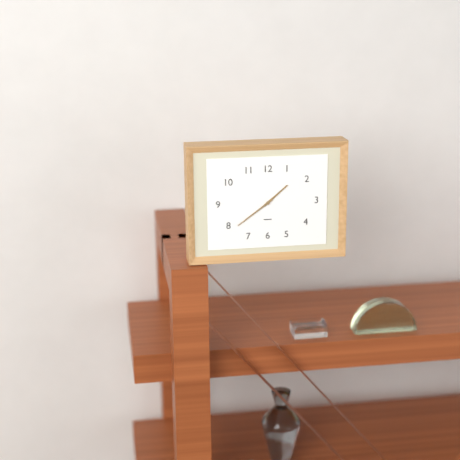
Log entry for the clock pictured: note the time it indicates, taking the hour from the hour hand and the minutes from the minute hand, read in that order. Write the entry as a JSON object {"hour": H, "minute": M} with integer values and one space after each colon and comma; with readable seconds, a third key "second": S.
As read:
{"hour": 1, "minute": 39}
